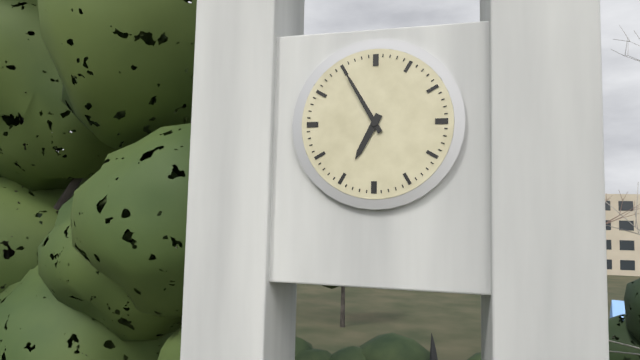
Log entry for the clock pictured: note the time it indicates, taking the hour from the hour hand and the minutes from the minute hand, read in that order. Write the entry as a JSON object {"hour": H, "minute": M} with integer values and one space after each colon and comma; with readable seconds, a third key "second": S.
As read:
{"hour": 6, "minute": 55}
